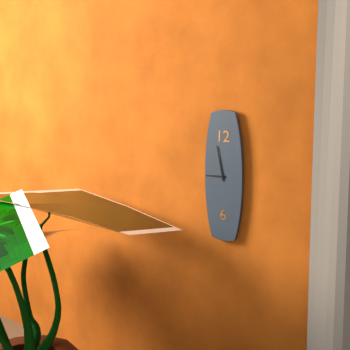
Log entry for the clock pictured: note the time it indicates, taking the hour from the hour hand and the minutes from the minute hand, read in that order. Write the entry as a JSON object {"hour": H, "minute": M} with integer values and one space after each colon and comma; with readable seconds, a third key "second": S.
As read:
{"hour": 8, "minute": 58}
